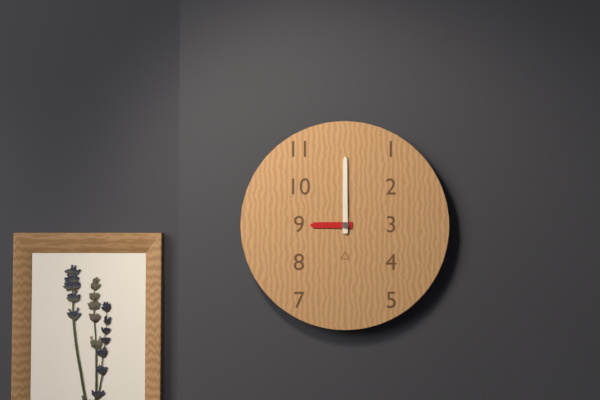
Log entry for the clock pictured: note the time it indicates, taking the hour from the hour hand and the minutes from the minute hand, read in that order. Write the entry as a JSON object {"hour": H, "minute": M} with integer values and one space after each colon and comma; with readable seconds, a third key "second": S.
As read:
{"hour": 9, "minute": 0}
